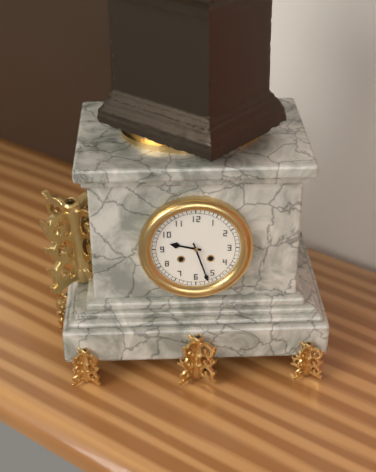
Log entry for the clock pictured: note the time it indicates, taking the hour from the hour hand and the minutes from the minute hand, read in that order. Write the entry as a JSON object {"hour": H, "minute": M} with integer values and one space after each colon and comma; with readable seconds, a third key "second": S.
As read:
{"hour": 9, "minute": 27}
